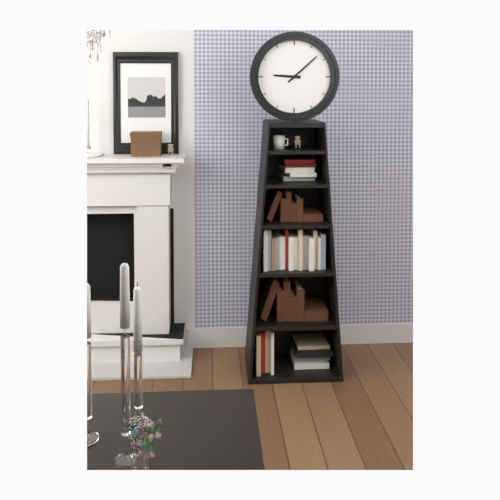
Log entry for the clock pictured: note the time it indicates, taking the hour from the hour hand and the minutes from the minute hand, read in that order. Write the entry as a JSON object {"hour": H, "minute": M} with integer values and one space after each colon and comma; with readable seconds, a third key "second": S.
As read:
{"hour": 9, "minute": 8}
